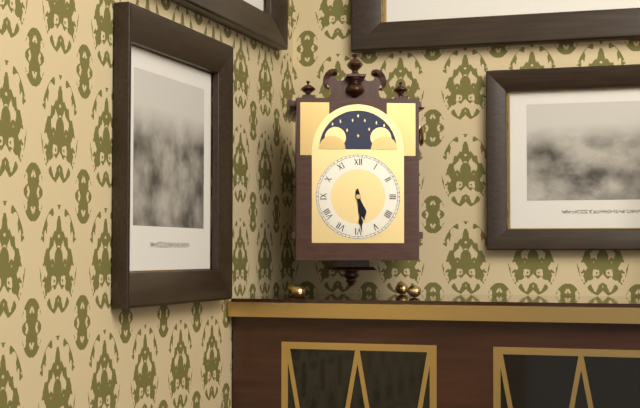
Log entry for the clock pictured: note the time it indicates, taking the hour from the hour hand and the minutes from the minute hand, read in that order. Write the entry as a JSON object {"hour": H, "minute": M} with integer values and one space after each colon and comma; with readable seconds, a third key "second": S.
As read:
{"hour": 5, "minute": 29}
